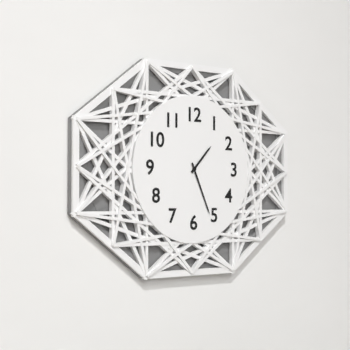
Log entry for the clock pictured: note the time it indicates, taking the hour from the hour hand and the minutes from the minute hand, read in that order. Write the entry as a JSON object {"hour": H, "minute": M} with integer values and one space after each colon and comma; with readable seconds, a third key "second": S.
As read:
{"hour": 1, "minute": 26}
